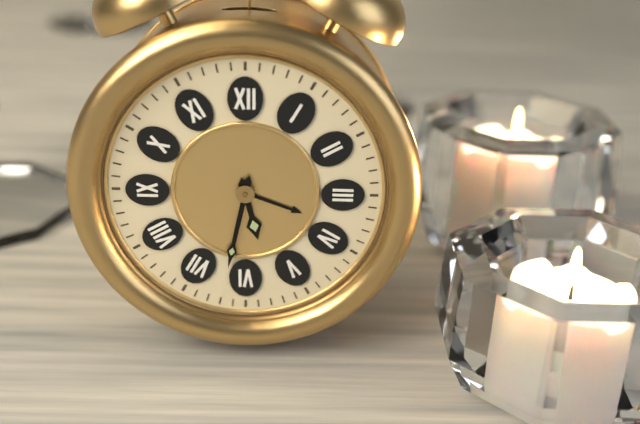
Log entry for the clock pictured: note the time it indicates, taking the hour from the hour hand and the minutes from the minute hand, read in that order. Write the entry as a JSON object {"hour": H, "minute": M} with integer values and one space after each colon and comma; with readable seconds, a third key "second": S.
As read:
{"hour": 5, "minute": 32}
